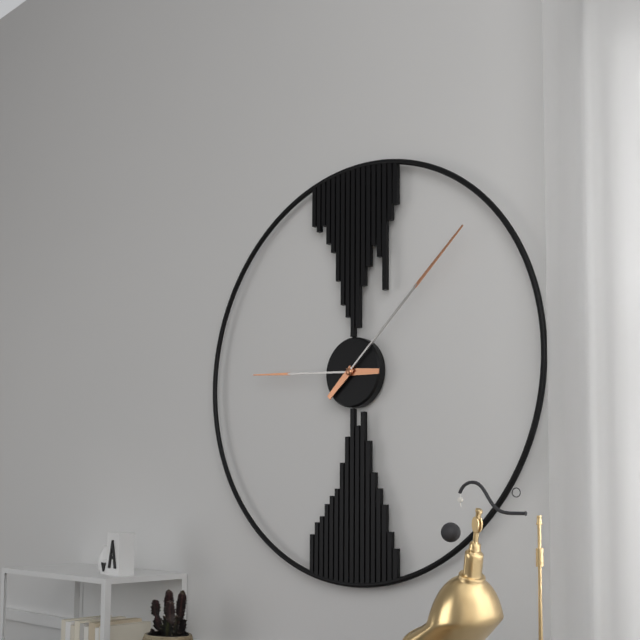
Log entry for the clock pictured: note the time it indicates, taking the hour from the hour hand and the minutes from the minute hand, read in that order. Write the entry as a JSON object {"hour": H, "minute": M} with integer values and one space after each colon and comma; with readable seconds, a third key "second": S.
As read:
{"hour": 9, "minute": 8}
